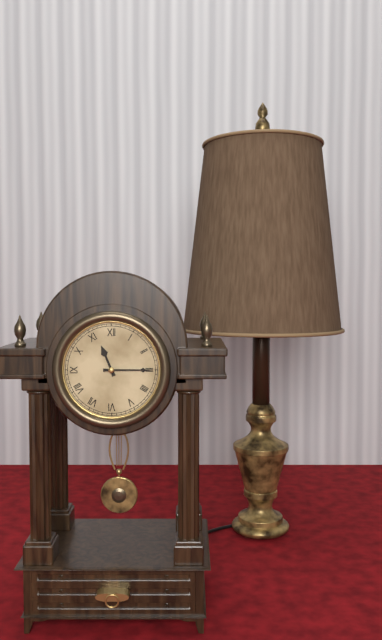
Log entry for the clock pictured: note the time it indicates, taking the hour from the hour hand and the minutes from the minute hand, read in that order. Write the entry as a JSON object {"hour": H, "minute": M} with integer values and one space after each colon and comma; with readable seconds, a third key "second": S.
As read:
{"hour": 11, "minute": 15}
